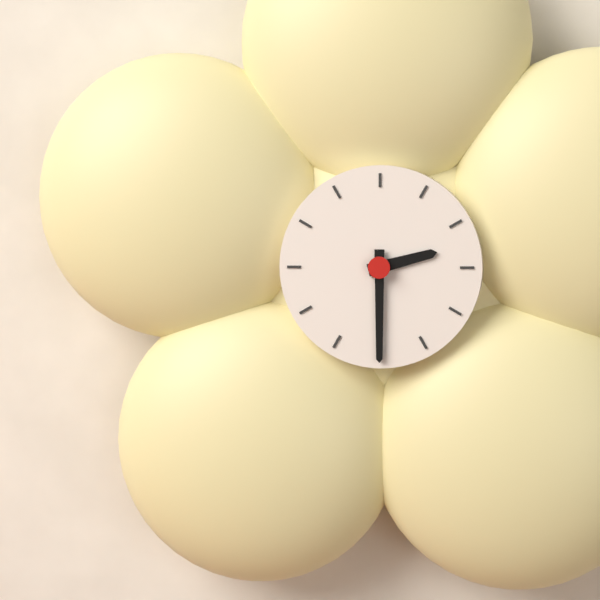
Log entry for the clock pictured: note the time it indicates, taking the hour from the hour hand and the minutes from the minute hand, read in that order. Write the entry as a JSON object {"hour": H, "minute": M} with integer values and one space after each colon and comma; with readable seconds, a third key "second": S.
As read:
{"hour": 2, "minute": 30}
